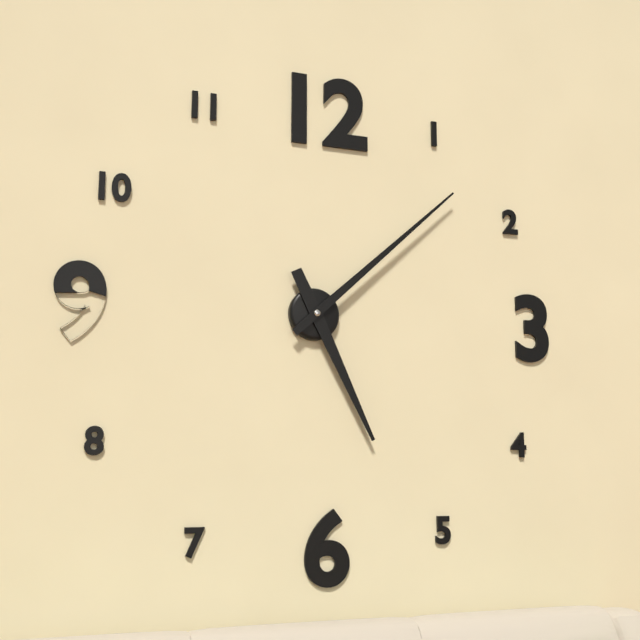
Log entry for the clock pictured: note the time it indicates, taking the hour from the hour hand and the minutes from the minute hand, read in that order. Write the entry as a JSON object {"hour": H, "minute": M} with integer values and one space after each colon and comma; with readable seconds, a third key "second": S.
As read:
{"hour": 5, "minute": 8}
